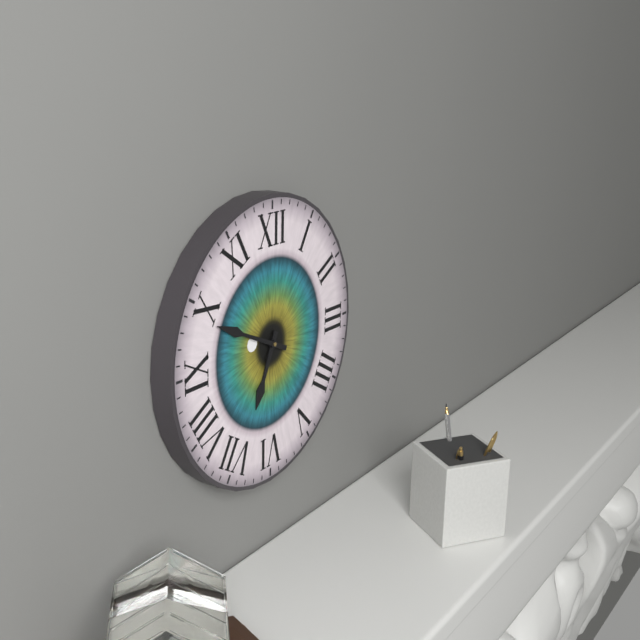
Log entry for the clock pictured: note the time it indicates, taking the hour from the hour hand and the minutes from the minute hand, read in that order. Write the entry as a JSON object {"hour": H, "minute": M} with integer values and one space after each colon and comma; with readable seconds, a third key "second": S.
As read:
{"hour": 6, "minute": 49}
